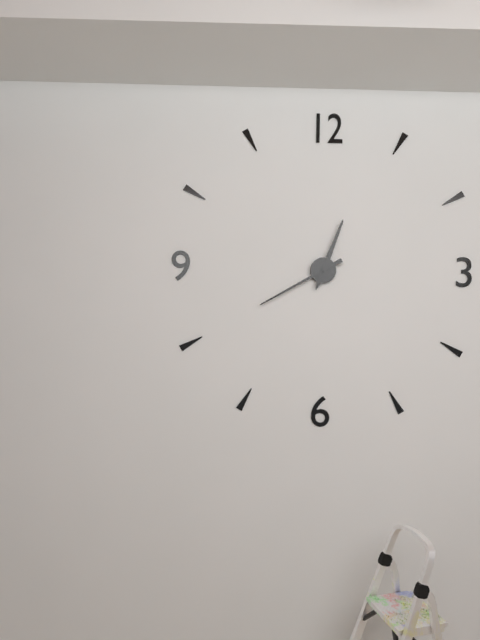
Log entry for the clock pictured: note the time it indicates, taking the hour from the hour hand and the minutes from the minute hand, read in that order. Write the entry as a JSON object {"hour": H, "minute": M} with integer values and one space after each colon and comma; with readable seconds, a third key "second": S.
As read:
{"hour": 12, "minute": 40}
